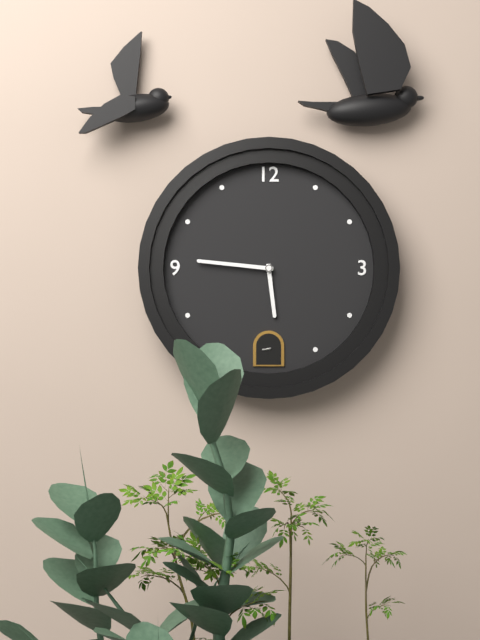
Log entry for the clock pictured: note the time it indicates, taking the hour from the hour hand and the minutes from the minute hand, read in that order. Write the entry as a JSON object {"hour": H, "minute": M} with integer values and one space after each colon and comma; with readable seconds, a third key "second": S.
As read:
{"hour": 5, "minute": 46}
